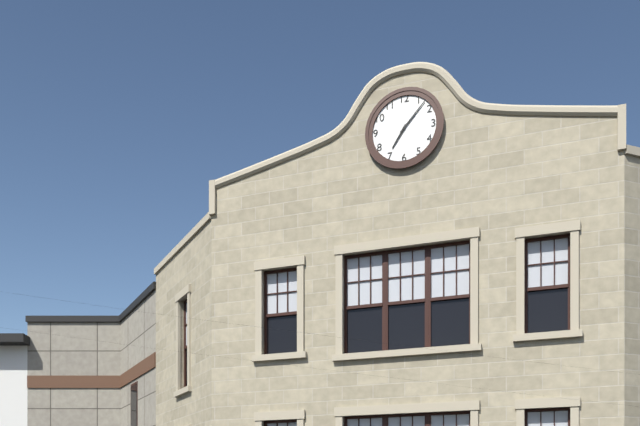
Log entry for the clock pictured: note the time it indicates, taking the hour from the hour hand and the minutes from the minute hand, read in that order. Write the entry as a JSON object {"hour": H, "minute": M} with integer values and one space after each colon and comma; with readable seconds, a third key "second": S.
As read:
{"hour": 7, "minute": 7}
